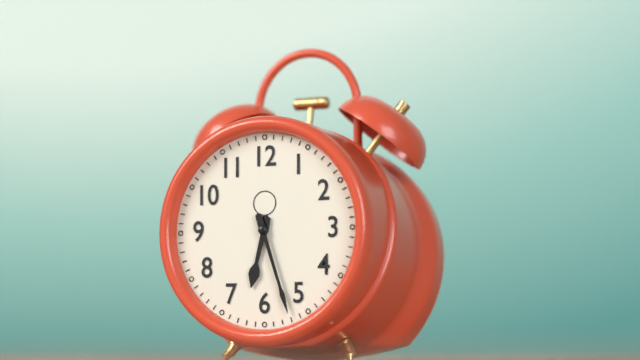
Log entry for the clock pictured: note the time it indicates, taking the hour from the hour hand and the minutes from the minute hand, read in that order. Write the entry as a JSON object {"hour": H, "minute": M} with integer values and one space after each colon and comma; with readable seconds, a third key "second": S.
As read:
{"hour": 6, "minute": 27}
